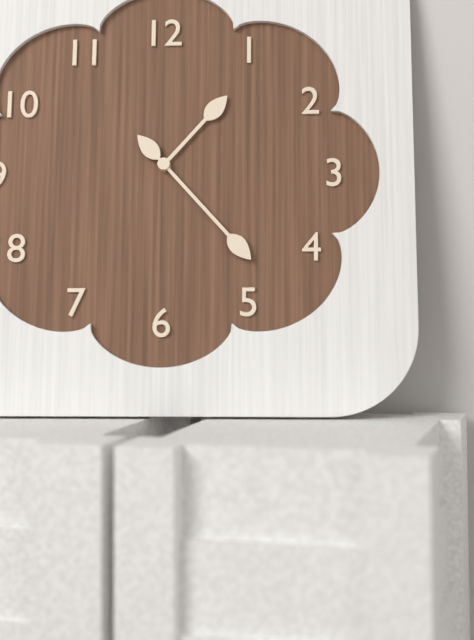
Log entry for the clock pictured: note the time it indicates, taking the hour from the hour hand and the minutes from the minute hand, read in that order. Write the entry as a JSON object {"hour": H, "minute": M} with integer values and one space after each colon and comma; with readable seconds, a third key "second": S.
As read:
{"hour": 1, "minute": 23}
